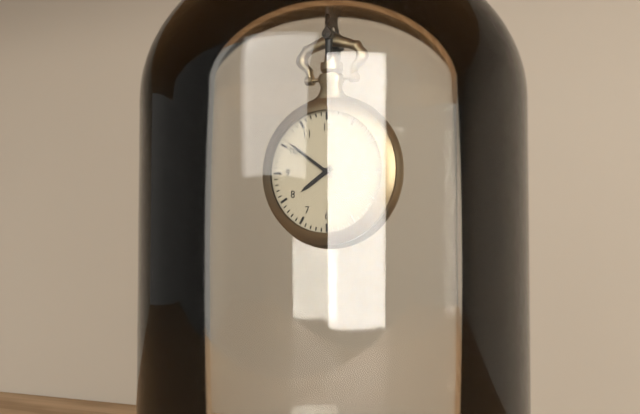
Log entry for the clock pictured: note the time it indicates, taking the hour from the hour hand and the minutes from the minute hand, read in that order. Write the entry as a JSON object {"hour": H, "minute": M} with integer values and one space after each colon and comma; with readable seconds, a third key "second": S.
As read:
{"hour": 7, "minute": 51}
